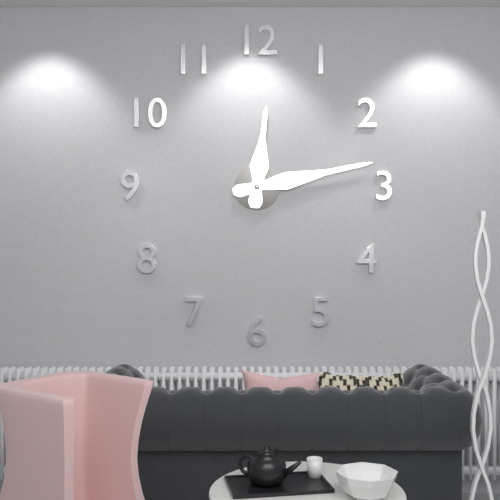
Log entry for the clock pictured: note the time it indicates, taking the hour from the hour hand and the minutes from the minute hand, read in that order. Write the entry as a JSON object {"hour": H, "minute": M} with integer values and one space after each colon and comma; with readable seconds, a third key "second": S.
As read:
{"hour": 12, "minute": 13}
